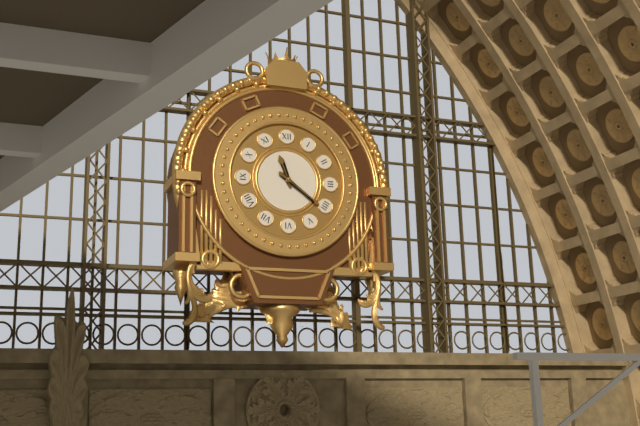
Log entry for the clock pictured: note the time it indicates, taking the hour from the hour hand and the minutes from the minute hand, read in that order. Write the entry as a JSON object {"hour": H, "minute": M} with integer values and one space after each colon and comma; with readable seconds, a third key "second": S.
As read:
{"hour": 11, "minute": 21}
